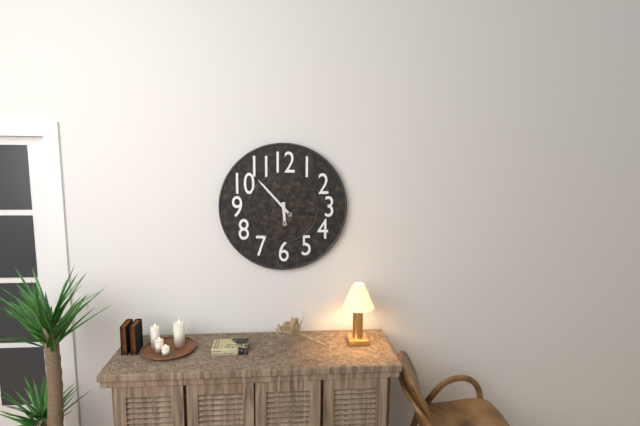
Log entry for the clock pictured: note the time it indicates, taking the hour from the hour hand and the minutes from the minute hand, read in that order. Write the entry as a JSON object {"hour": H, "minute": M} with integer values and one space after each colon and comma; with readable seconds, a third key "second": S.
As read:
{"hour": 5, "minute": 53}
